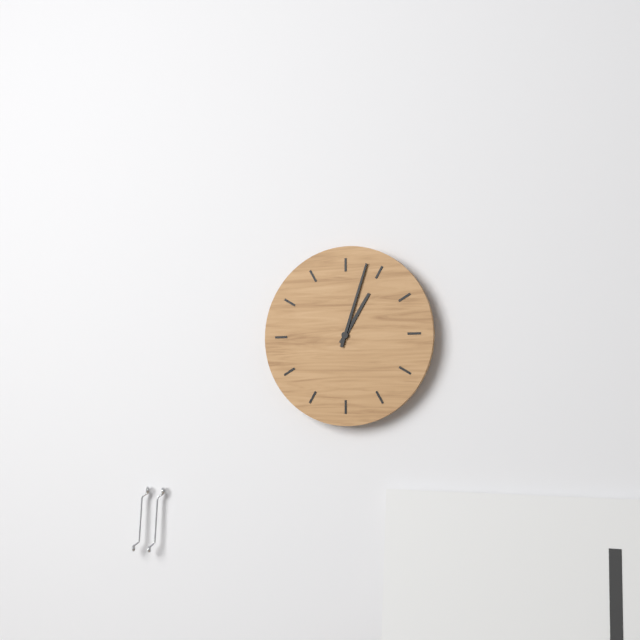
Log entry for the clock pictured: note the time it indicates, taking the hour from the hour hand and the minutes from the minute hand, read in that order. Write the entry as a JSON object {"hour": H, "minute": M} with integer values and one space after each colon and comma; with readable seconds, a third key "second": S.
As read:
{"hour": 1, "minute": 3}
